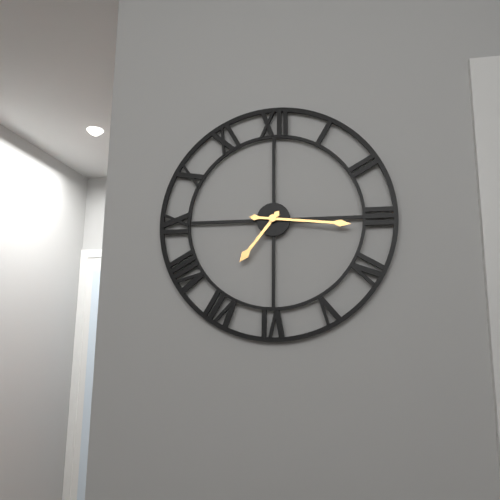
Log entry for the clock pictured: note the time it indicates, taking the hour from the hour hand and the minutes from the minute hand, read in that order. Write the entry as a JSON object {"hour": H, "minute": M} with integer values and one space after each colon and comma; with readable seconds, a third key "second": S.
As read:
{"hour": 7, "minute": 16}
